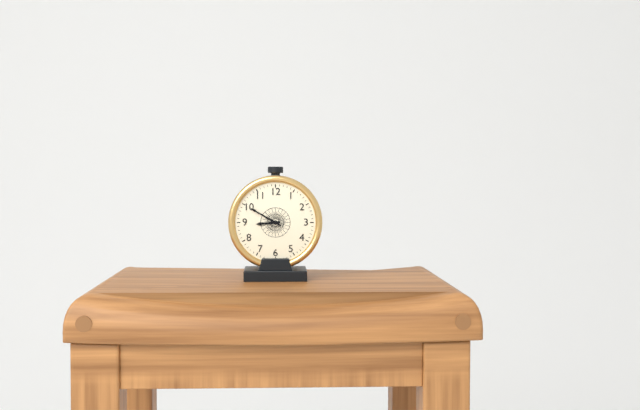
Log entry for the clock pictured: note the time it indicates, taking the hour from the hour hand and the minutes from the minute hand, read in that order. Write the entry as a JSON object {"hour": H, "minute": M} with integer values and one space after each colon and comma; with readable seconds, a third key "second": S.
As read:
{"hour": 8, "minute": 50}
